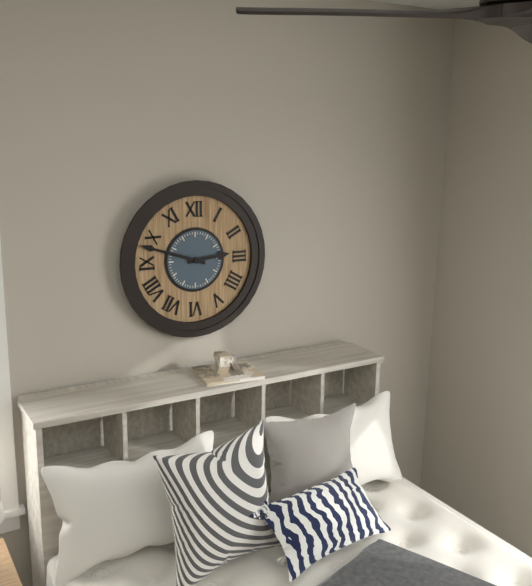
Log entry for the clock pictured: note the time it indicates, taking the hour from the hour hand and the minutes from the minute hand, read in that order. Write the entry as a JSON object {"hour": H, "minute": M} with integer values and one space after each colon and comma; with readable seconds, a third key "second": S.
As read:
{"hour": 2, "minute": 48}
